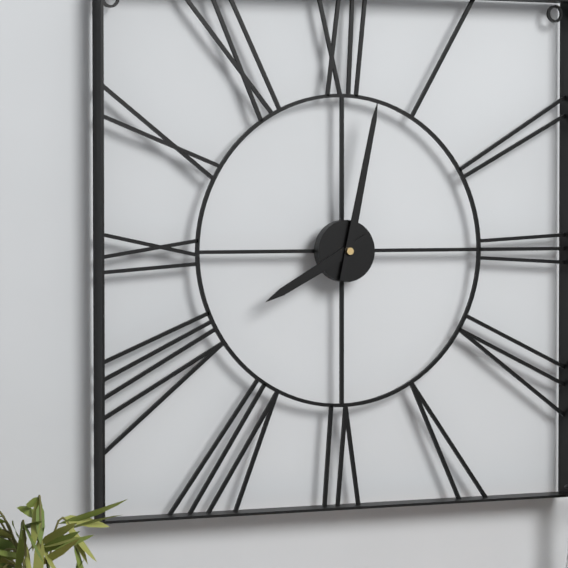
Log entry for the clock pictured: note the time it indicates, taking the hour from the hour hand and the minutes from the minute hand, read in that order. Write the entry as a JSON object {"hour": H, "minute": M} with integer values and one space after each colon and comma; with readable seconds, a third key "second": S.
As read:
{"hour": 8, "minute": 2}
